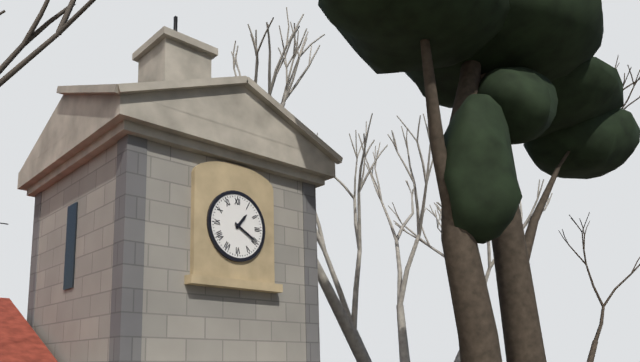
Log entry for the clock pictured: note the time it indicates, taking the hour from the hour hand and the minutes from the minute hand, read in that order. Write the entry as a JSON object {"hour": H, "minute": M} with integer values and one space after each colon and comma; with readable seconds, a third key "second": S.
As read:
{"hour": 1, "minute": 20}
